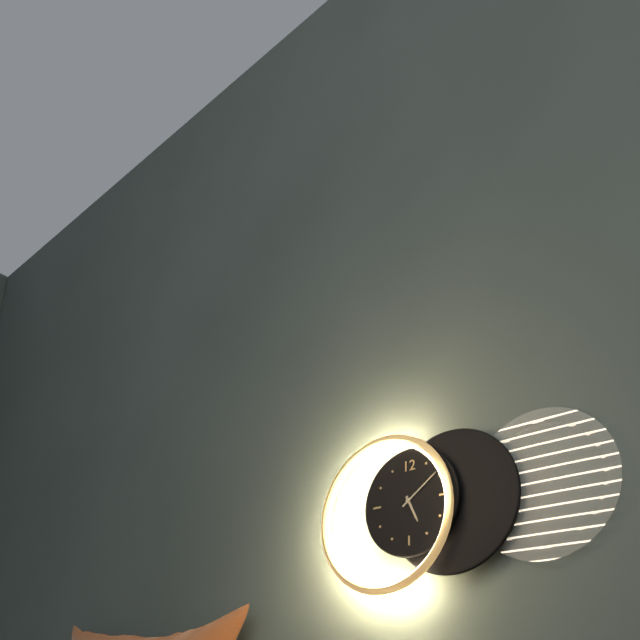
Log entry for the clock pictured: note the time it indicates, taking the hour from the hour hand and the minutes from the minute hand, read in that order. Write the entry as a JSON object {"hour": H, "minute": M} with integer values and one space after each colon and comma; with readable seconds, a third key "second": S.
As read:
{"hour": 5, "minute": 9}
